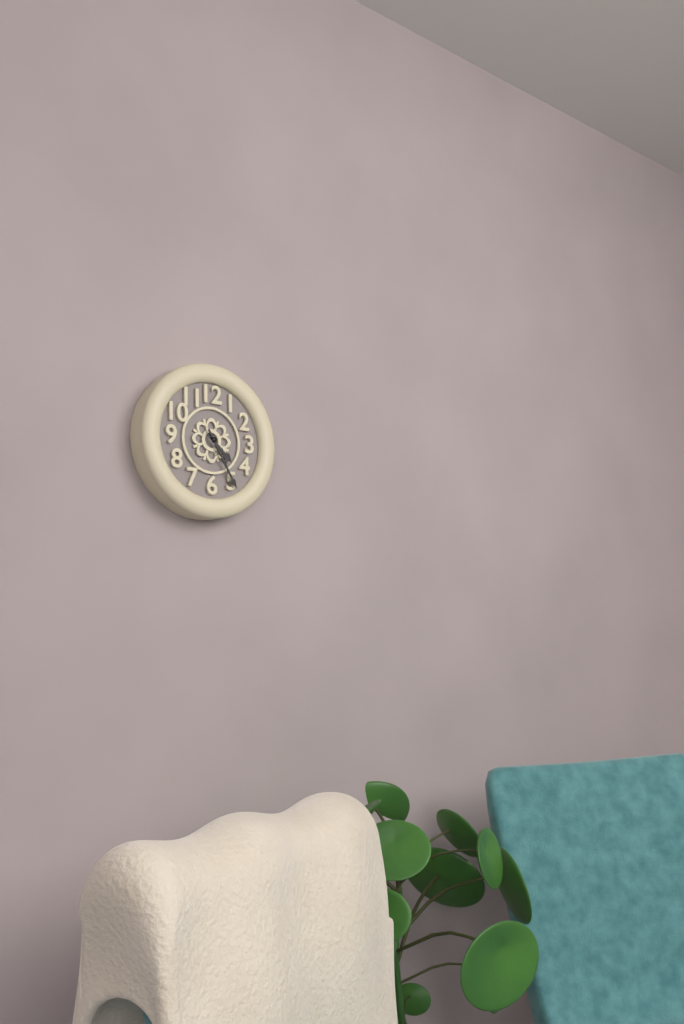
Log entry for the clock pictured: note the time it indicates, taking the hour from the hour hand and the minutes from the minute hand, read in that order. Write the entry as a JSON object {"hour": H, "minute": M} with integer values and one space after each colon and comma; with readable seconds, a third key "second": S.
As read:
{"hour": 4, "minute": 25}
